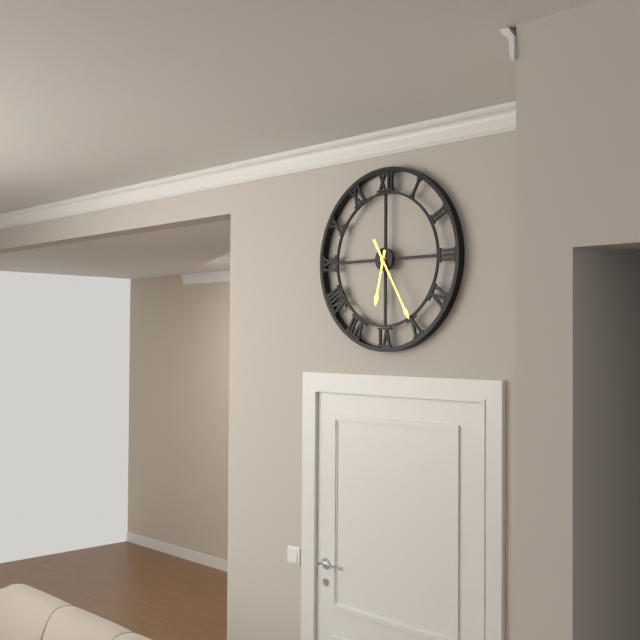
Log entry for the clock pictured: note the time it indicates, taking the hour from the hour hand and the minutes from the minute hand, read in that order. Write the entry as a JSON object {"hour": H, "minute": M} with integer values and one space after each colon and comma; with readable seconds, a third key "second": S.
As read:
{"hour": 6, "minute": 25}
